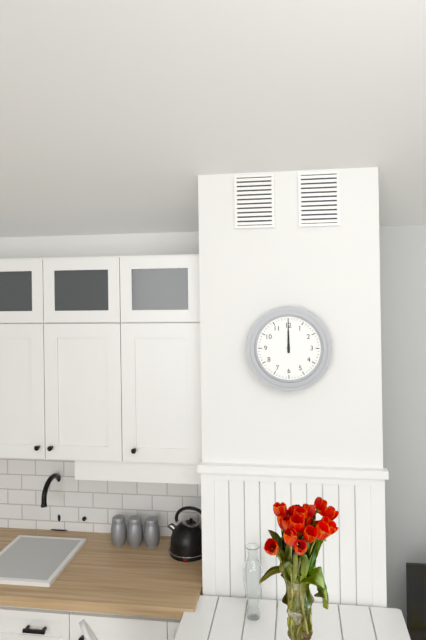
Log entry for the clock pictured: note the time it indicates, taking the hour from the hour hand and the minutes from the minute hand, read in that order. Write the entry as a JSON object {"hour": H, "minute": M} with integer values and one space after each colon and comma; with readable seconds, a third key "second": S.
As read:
{"hour": 12, "minute": 0}
